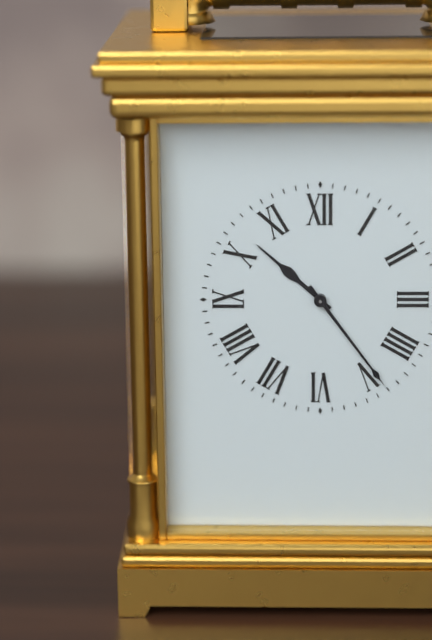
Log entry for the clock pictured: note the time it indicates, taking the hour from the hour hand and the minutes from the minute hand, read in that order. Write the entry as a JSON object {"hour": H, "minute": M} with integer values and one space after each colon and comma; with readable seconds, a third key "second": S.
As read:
{"hour": 10, "minute": 24}
